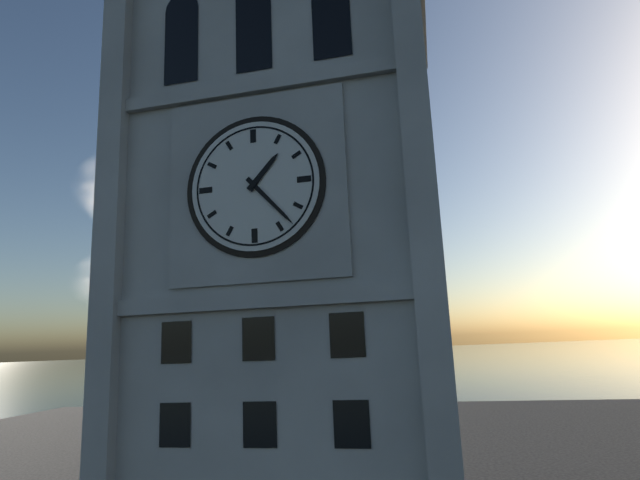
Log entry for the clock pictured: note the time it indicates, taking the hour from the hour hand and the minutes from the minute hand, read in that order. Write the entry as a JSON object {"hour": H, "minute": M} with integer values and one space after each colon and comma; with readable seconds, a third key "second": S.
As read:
{"hour": 1, "minute": 23}
